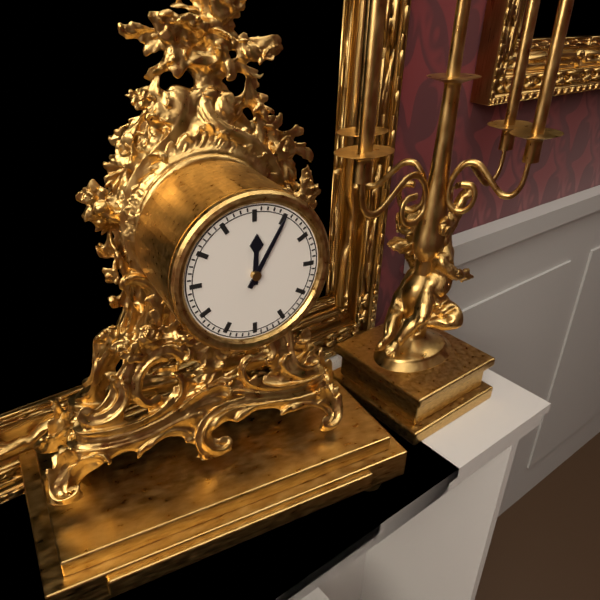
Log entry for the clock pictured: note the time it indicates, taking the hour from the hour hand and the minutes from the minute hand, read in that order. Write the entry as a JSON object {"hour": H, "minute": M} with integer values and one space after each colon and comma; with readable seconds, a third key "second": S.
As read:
{"hour": 12, "minute": 5}
